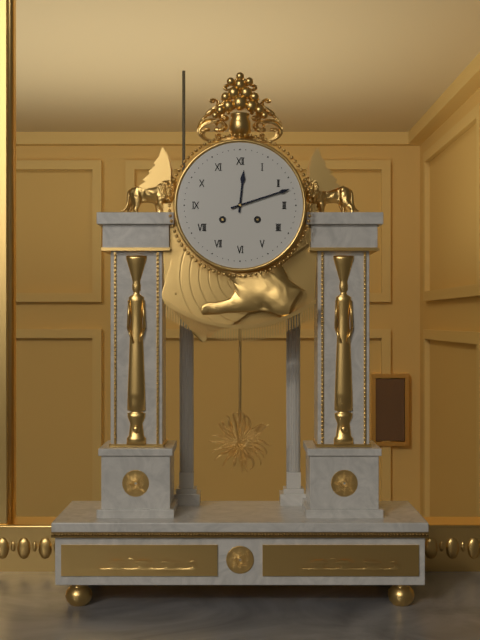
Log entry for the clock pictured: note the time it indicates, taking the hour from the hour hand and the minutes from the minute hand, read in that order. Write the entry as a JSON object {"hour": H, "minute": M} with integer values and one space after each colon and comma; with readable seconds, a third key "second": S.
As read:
{"hour": 12, "minute": 12}
